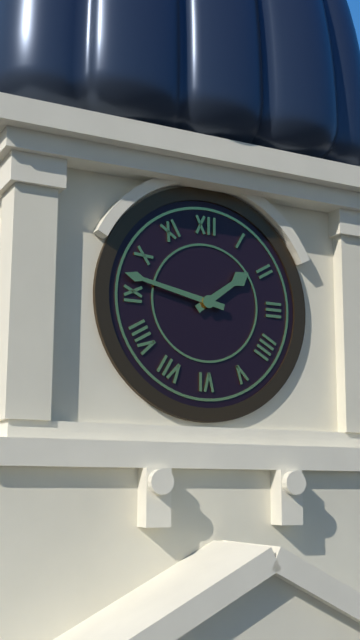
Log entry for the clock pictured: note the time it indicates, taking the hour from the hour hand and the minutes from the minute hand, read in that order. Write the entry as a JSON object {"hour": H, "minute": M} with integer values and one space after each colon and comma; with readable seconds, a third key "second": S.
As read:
{"hour": 1, "minute": 47}
